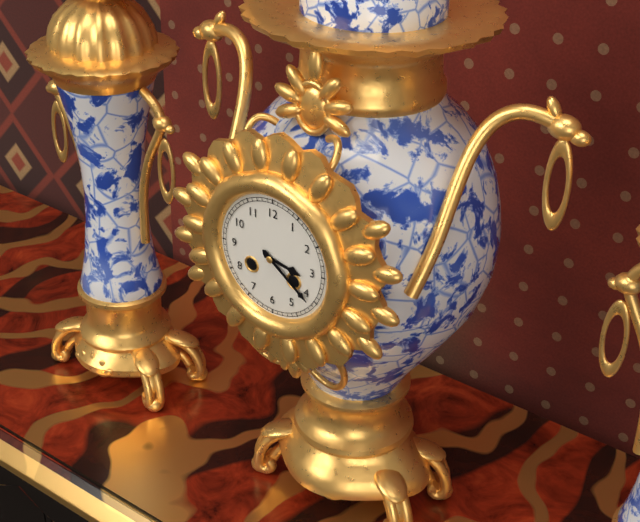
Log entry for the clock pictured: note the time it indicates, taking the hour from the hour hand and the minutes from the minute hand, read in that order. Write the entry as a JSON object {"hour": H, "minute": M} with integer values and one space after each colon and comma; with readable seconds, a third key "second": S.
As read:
{"hour": 3, "minute": 21}
